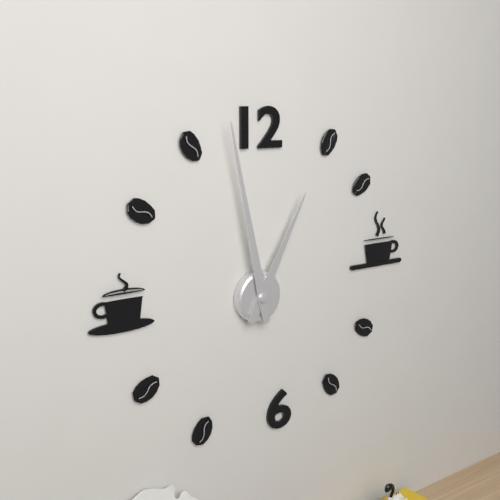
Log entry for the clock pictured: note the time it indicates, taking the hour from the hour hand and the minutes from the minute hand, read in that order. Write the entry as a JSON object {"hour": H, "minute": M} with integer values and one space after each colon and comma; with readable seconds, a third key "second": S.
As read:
{"hour": 12, "minute": 58}
